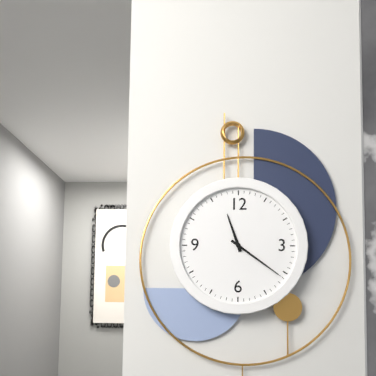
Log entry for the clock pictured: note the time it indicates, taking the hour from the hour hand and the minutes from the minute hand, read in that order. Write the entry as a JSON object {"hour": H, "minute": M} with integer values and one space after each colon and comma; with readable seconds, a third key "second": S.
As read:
{"hour": 11, "minute": 21}
